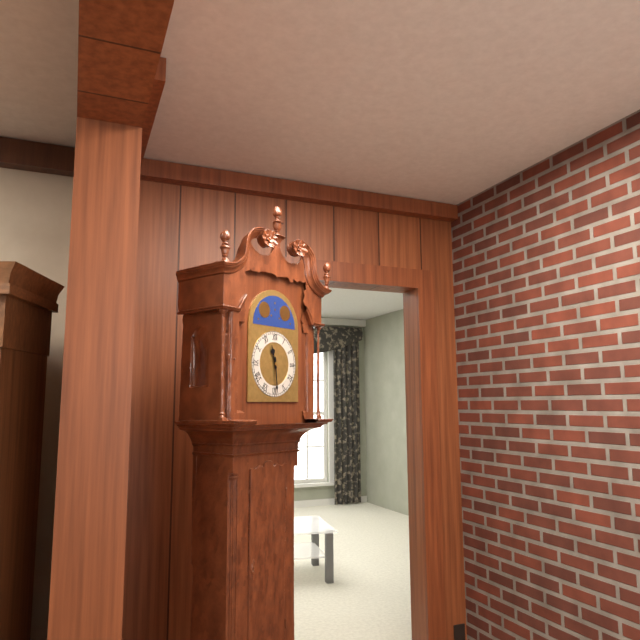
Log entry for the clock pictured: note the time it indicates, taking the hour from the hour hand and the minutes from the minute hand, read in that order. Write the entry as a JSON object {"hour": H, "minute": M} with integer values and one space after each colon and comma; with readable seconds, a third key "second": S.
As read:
{"hour": 11, "minute": 29}
